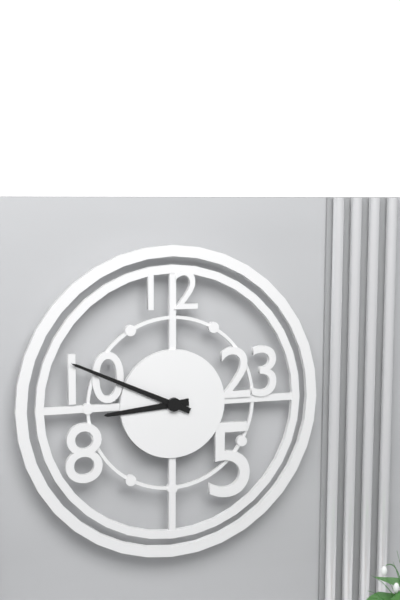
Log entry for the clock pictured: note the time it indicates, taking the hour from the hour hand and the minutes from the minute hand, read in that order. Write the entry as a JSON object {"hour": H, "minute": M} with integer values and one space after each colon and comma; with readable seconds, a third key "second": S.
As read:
{"hour": 8, "minute": 49}
